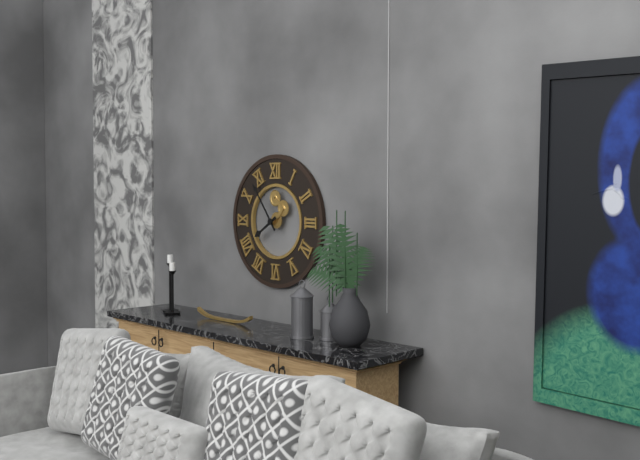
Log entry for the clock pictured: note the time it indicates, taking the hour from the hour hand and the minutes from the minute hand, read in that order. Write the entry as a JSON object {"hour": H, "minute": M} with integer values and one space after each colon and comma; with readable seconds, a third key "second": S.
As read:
{"hour": 7, "minute": 54}
